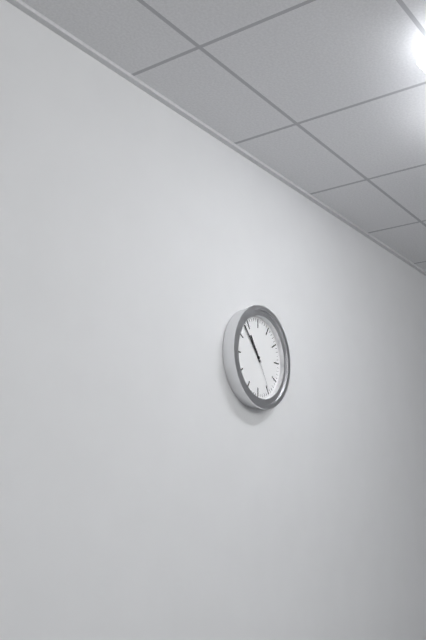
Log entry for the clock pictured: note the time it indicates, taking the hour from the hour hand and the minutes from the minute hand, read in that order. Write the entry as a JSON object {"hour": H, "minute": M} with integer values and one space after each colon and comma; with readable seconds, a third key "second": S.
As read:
{"hour": 10, "minute": 53}
